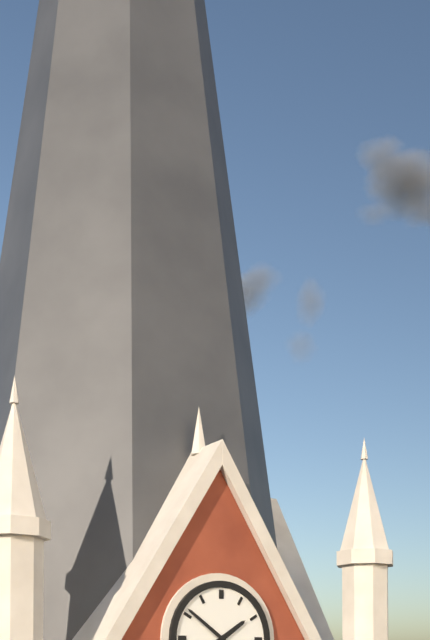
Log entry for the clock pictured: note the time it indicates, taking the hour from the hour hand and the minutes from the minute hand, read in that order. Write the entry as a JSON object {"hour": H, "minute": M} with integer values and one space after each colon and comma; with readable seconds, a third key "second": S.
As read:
{"hour": 1, "minute": 51}
